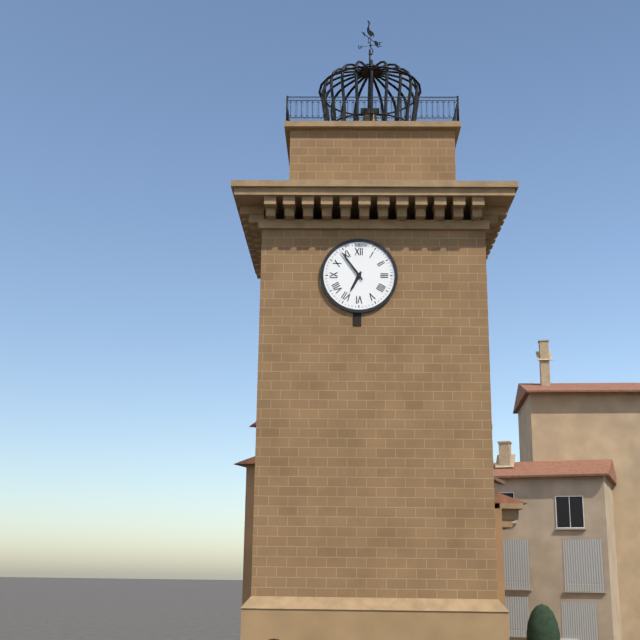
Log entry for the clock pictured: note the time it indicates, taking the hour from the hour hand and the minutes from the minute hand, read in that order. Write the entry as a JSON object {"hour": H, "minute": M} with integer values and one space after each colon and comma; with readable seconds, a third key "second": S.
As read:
{"hour": 6, "minute": 54}
